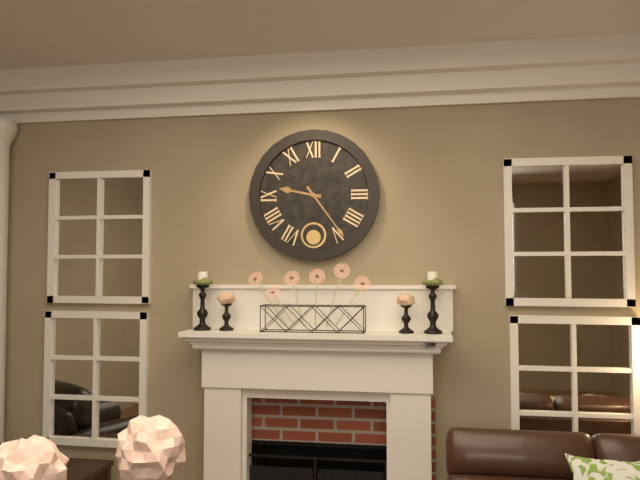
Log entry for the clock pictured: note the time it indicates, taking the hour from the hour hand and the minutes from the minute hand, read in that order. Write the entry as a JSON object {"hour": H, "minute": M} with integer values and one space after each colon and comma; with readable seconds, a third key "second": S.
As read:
{"hour": 9, "minute": 24}
